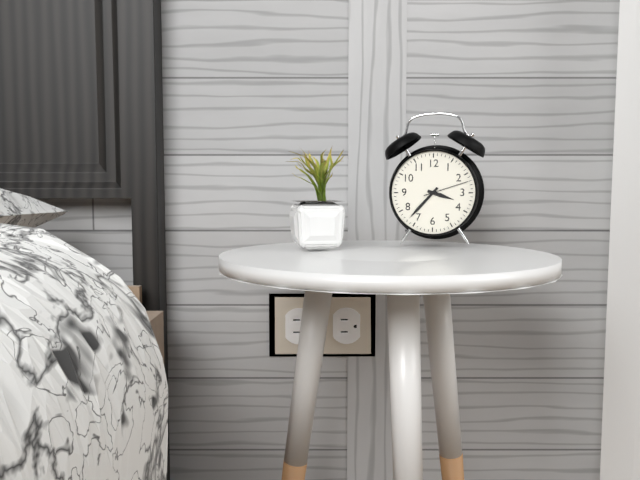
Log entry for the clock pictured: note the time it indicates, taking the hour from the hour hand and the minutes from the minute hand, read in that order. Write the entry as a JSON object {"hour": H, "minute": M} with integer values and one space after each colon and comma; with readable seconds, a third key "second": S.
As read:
{"hour": 3, "minute": 37}
